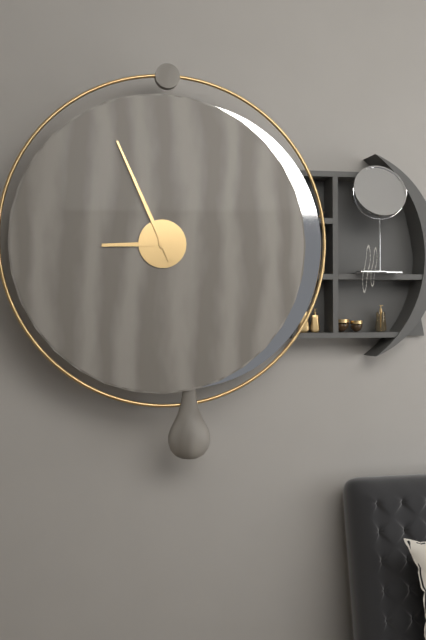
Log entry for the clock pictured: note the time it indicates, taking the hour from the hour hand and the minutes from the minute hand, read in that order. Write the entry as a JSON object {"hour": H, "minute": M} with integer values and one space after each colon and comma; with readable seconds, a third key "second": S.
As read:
{"hour": 8, "minute": 56}
